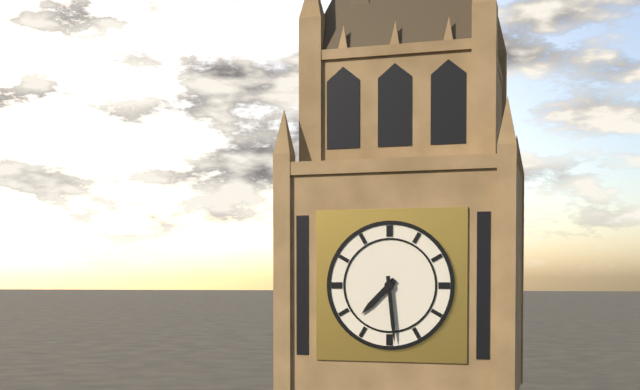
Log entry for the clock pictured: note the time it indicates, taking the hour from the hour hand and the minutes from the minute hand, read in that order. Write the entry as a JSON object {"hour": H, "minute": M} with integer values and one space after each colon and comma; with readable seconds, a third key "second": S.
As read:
{"hour": 7, "minute": 29}
